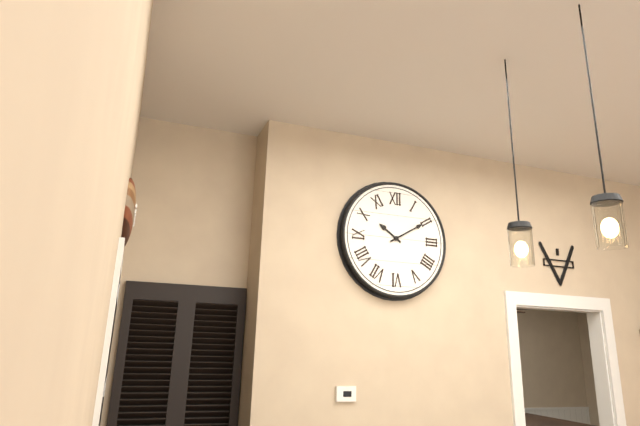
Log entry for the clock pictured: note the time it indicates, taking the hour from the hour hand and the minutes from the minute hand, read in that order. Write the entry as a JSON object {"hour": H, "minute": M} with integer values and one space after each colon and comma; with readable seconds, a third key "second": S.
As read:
{"hour": 10, "minute": 10}
